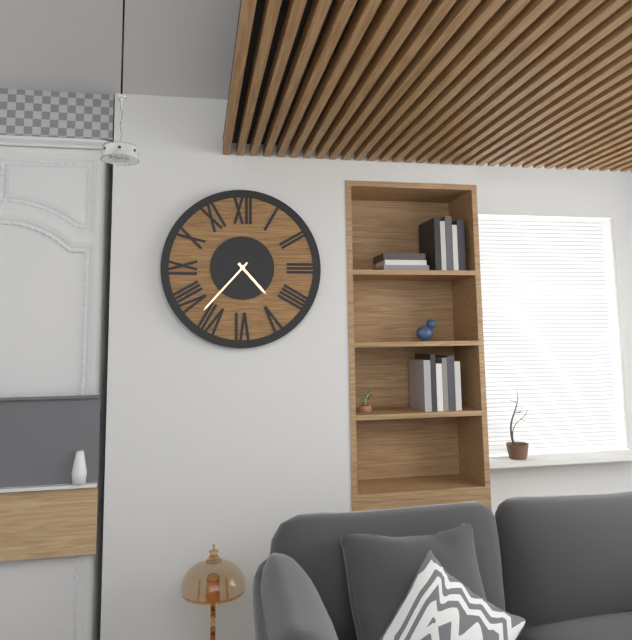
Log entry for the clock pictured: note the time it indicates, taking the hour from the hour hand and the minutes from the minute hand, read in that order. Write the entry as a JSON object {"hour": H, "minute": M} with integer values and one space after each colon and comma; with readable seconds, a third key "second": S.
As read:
{"hour": 4, "minute": 37}
